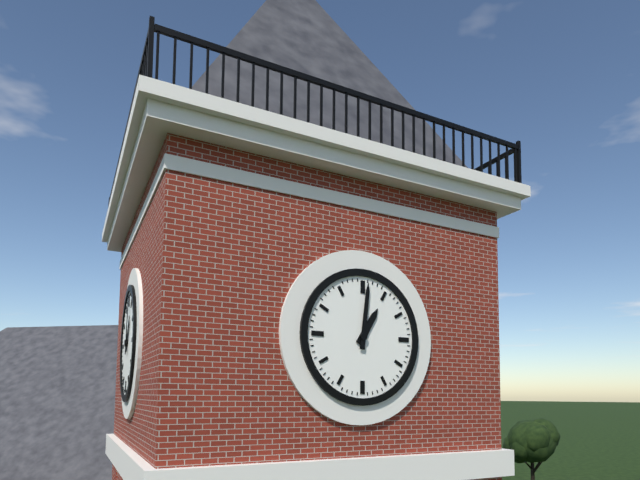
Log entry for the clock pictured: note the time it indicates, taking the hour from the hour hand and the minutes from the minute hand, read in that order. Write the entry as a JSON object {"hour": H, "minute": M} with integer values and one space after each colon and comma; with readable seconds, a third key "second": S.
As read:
{"hour": 1, "minute": 1}
